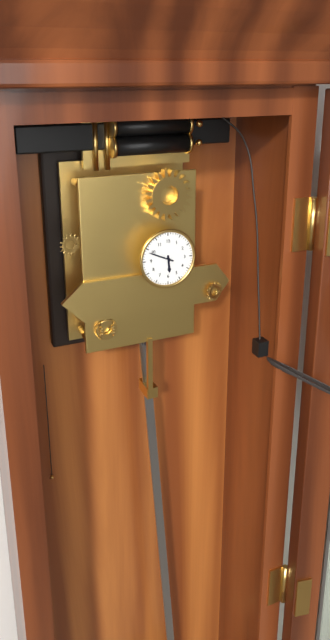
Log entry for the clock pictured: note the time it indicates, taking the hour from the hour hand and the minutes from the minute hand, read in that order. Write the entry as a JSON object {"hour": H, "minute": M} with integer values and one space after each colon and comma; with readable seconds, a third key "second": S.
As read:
{"hour": 5, "minute": 49}
